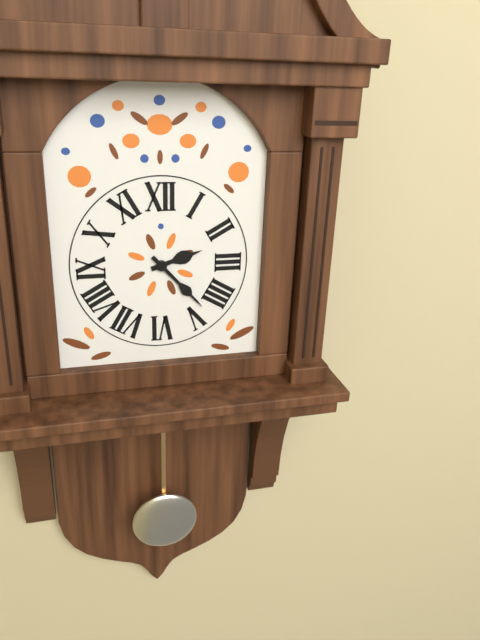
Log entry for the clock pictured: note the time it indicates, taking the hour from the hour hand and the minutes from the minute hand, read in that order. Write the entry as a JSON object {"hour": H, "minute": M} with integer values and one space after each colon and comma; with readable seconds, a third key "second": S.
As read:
{"hour": 2, "minute": 23}
